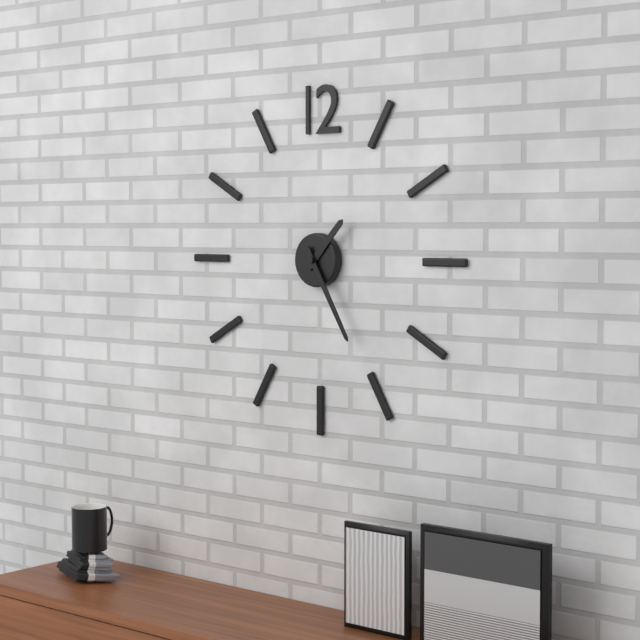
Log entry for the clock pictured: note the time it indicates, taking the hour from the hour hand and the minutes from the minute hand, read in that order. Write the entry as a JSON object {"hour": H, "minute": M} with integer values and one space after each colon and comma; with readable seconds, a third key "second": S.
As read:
{"hour": 1, "minute": 25}
